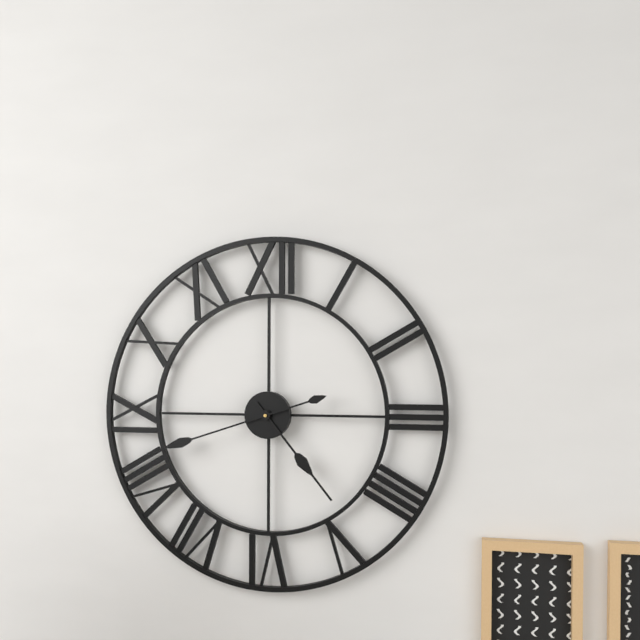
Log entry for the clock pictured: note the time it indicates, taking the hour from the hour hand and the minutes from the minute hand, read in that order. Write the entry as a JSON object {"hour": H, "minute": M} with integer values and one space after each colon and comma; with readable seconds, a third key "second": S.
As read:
{"hour": 4, "minute": 42}
